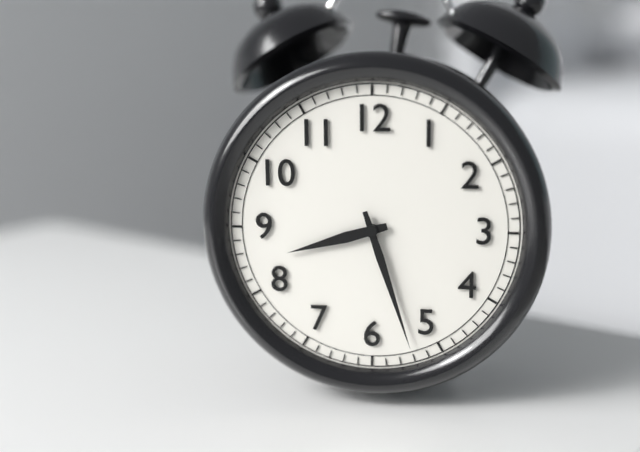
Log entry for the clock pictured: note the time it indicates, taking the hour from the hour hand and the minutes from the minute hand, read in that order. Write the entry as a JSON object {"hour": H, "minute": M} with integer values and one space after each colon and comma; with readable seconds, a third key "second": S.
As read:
{"hour": 8, "minute": 27}
